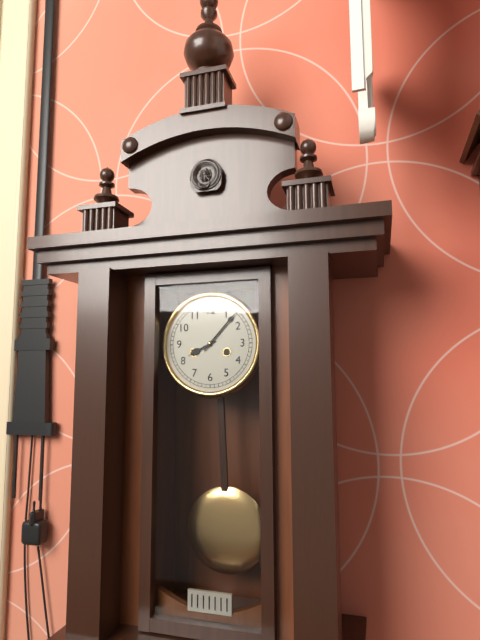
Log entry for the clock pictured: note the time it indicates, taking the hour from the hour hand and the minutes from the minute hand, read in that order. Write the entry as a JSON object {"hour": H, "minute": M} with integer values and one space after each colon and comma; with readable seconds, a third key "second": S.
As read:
{"hour": 8, "minute": 7}
